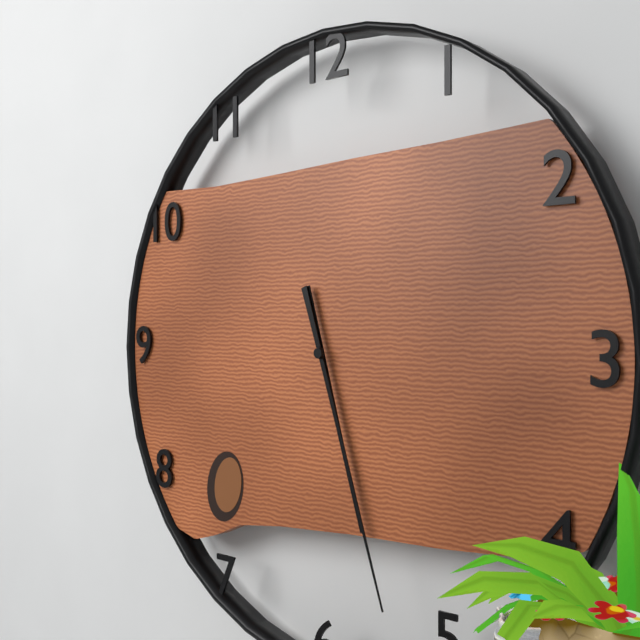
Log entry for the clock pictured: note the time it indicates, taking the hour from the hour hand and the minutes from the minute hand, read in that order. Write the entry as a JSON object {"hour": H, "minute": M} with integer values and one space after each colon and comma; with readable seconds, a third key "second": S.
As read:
{"hour": 5, "minute": 27}
